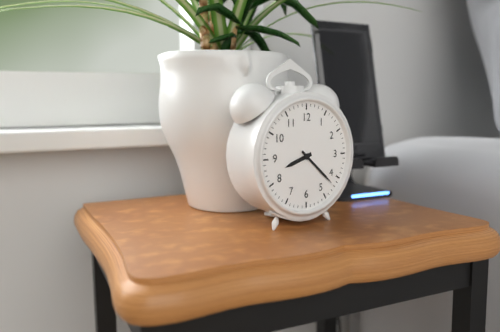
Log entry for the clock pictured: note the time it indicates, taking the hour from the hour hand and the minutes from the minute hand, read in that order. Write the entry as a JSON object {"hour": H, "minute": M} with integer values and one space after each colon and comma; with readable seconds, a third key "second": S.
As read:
{"hour": 8, "minute": 22}
